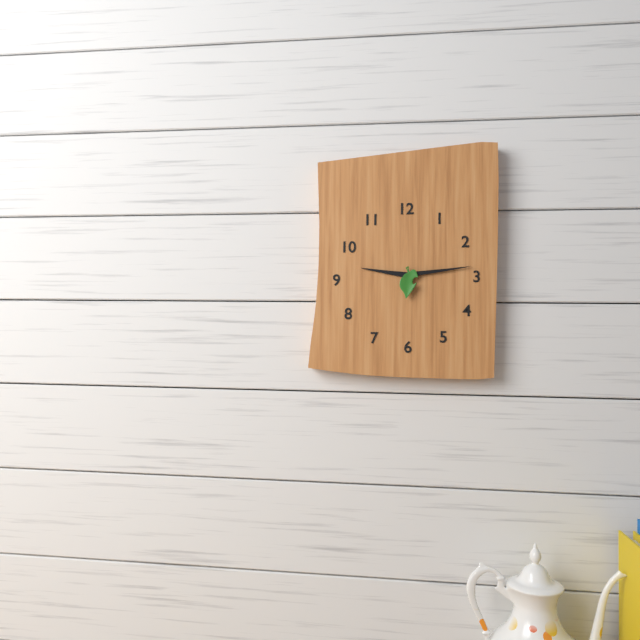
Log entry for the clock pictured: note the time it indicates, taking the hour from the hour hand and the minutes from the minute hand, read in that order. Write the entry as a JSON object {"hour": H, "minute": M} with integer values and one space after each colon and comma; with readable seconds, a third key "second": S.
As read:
{"hour": 9, "minute": 14}
